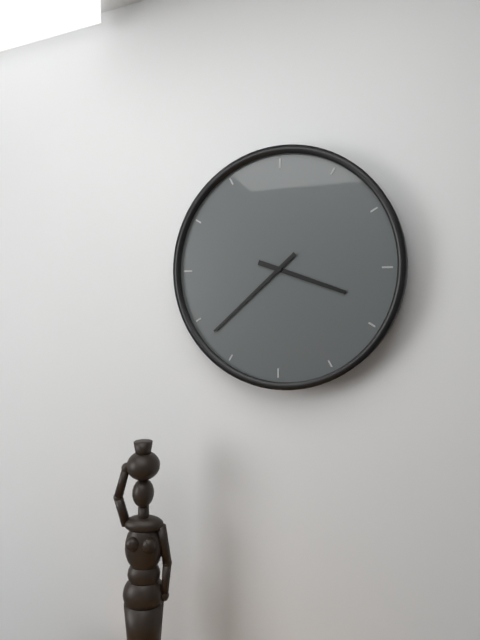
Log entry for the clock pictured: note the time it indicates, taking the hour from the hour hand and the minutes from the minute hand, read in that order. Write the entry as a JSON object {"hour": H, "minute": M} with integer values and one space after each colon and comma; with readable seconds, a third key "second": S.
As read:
{"hour": 3, "minute": 38}
